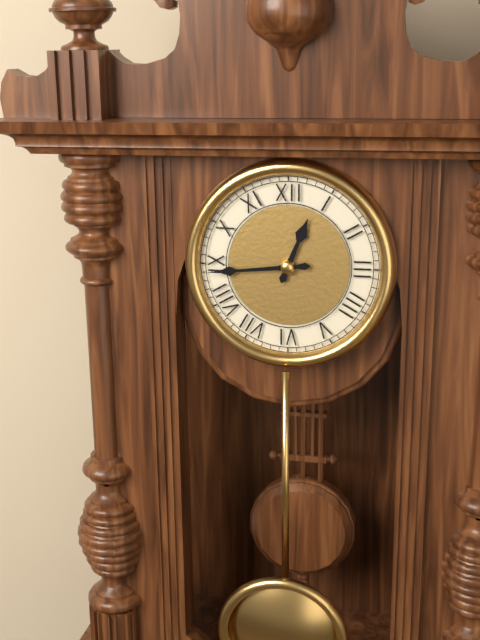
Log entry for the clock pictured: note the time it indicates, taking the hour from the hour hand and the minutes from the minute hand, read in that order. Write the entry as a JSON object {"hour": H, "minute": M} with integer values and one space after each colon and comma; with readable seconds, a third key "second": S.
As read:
{"hour": 12, "minute": 44}
